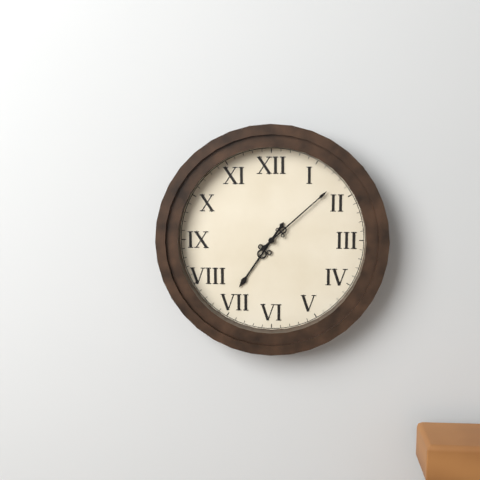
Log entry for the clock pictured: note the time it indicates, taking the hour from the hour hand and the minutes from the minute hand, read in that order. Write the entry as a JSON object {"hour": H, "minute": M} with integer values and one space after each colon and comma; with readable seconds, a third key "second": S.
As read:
{"hour": 7, "minute": 8}
